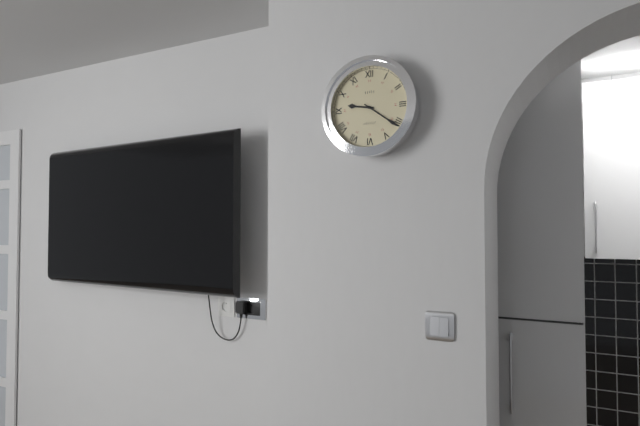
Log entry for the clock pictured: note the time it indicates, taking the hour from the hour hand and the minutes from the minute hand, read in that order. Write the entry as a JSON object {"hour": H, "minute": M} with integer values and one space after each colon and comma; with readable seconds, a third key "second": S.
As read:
{"hour": 9, "minute": 21}
